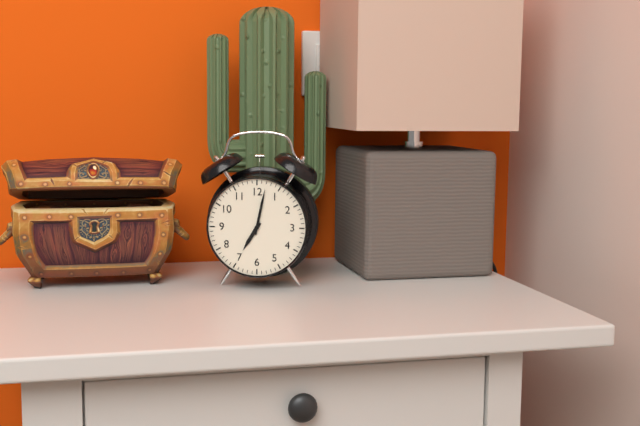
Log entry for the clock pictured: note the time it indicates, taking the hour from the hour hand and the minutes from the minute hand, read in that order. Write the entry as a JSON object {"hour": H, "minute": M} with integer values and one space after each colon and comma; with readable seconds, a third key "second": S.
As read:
{"hour": 7, "minute": 2}
